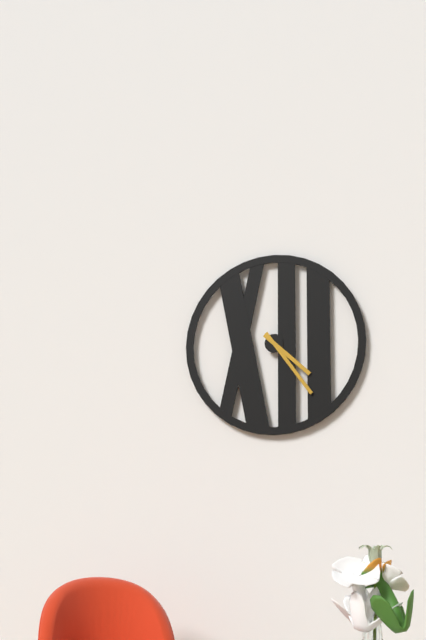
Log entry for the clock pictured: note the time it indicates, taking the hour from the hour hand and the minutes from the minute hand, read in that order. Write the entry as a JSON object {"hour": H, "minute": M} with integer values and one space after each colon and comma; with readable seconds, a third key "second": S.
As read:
{"hour": 4, "minute": 24}
